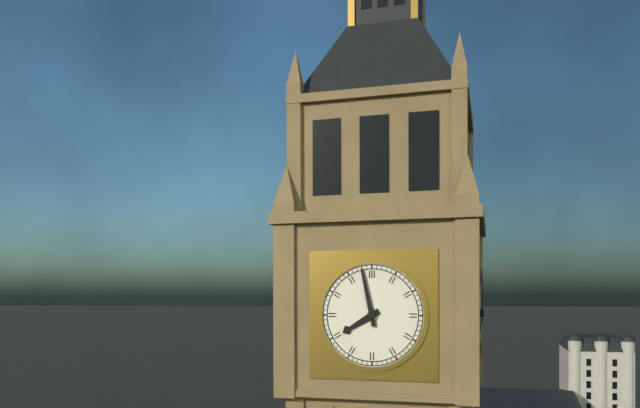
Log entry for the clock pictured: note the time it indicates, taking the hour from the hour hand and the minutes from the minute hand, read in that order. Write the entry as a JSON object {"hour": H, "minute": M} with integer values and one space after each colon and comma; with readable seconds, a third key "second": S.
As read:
{"hour": 7, "minute": 58}
